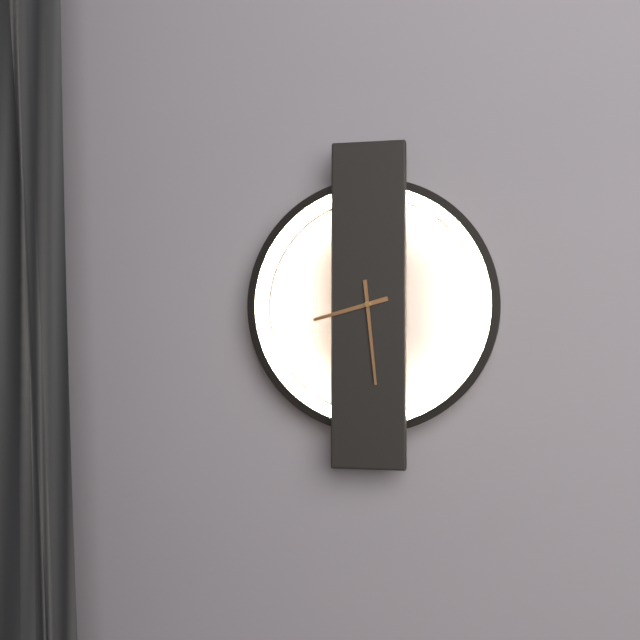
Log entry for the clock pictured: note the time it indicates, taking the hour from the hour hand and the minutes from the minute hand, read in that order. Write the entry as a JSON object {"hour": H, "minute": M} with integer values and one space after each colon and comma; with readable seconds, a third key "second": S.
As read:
{"hour": 8, "minute": 29}
